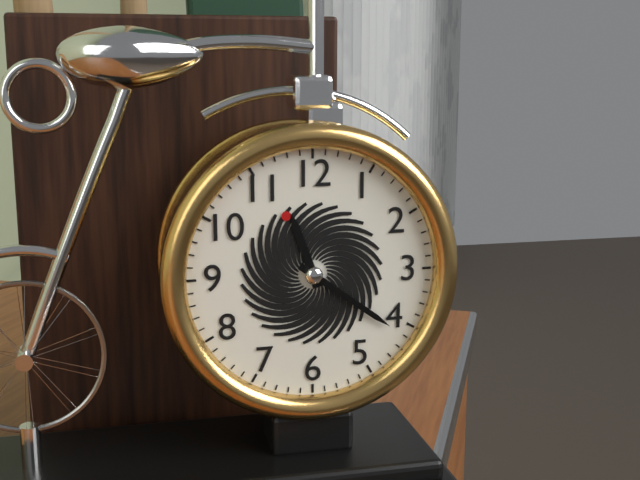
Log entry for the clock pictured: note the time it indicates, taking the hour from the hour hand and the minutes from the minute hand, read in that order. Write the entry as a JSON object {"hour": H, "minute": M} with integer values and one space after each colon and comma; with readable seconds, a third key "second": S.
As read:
{"hour": 11, "minute": 21}
